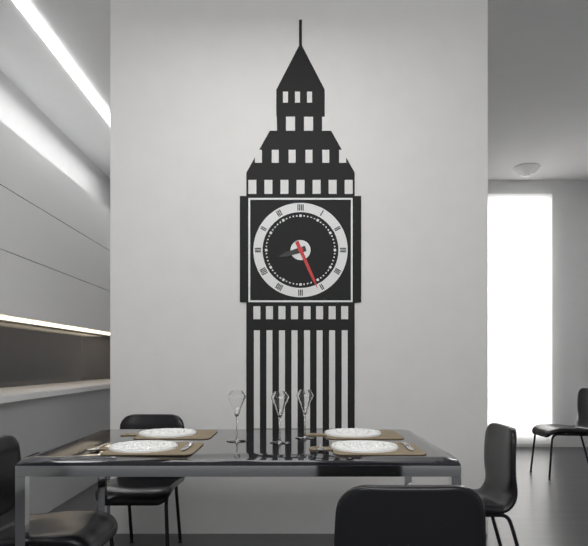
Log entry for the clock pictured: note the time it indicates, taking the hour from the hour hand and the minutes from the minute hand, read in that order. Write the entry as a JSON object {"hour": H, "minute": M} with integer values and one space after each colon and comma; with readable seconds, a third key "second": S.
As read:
{"hour": 8, "minute": 26}
